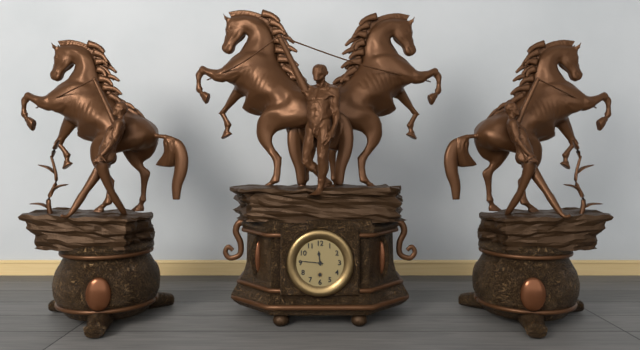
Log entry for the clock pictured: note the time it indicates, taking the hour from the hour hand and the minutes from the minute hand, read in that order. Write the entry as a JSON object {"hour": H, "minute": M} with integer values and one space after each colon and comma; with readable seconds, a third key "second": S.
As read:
{"hour": 11, "minute": 46}
